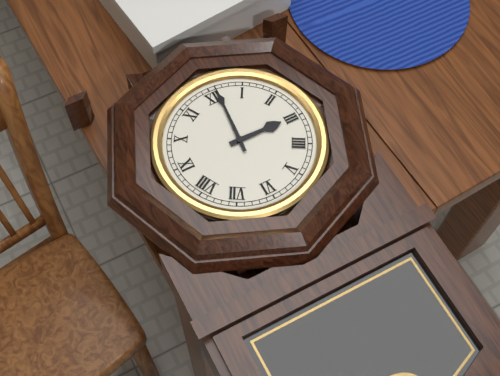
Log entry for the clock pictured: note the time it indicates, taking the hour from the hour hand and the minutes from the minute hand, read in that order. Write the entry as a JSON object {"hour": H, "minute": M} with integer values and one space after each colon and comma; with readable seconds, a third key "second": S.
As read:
{"hour": 3, "minute": 1}
